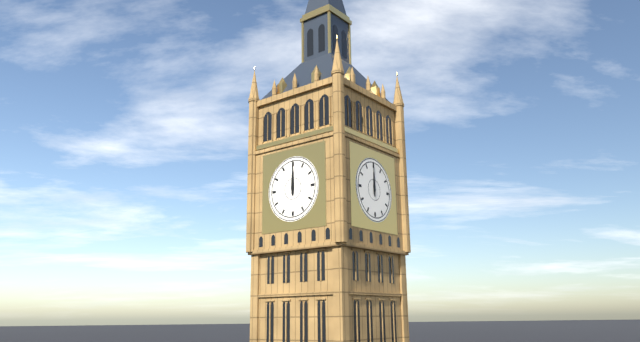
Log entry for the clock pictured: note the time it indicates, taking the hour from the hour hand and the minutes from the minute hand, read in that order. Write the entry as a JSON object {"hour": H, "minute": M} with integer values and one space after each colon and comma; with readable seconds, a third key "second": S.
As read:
{"hour": 12, "minute": 0}
